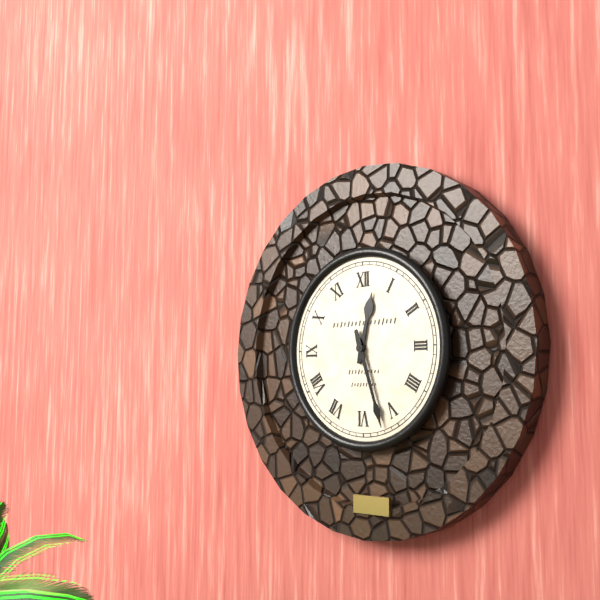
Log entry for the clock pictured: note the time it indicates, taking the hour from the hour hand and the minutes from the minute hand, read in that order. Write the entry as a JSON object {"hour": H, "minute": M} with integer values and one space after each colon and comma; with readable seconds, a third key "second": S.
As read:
{"hour": 12, "minute": 27}
